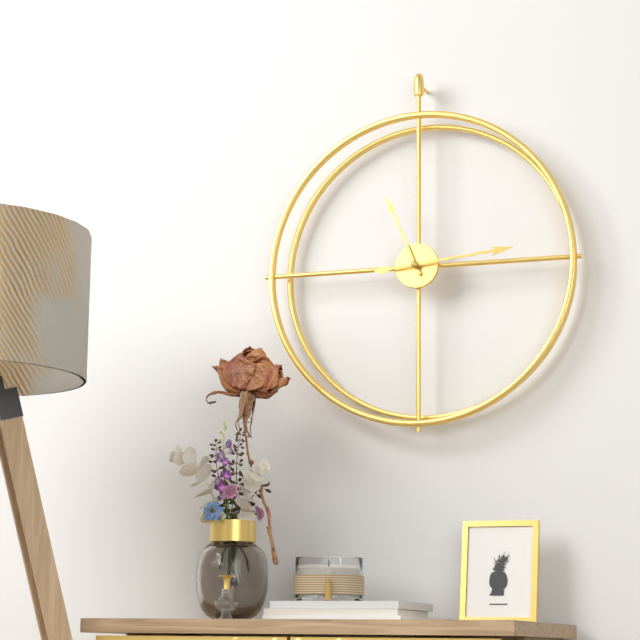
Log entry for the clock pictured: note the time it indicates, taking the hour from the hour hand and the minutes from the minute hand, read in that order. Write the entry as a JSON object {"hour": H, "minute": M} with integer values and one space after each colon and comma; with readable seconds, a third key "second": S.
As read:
{"hour": 11, "minute": 14}
